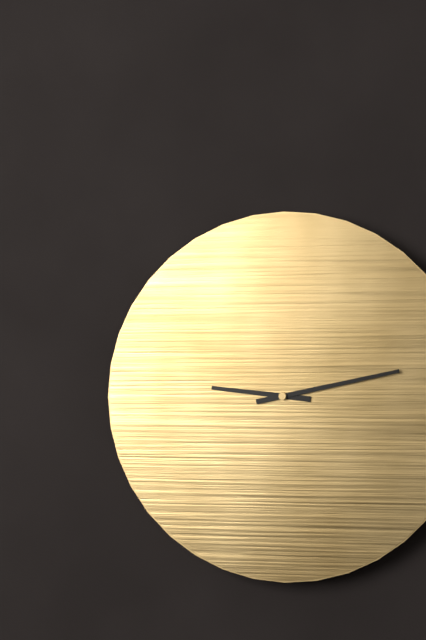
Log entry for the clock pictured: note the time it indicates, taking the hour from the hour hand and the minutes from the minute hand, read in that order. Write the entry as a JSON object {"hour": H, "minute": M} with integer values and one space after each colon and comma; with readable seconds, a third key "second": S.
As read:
{"hour": 9, "minute": 13}
